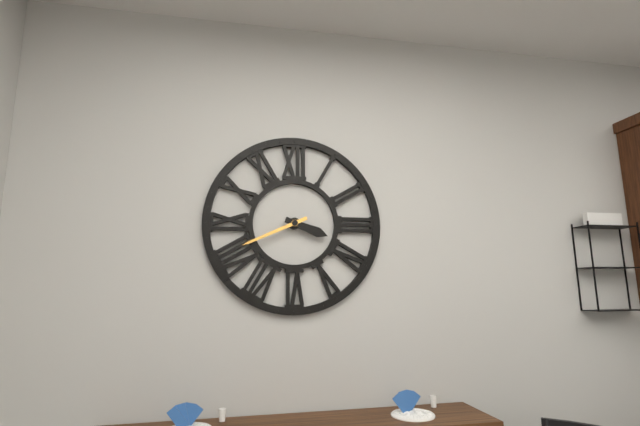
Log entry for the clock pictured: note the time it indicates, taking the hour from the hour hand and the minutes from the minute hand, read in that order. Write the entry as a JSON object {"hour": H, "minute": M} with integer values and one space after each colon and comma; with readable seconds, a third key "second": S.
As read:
{"hour": 3, "minute": 41}
